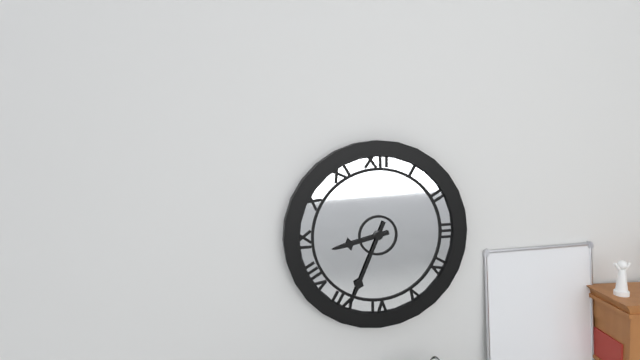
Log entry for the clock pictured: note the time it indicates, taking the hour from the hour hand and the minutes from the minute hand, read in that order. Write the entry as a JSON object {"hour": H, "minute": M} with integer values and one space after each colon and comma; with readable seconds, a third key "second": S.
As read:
{"hour": 8, "minute": 34}
